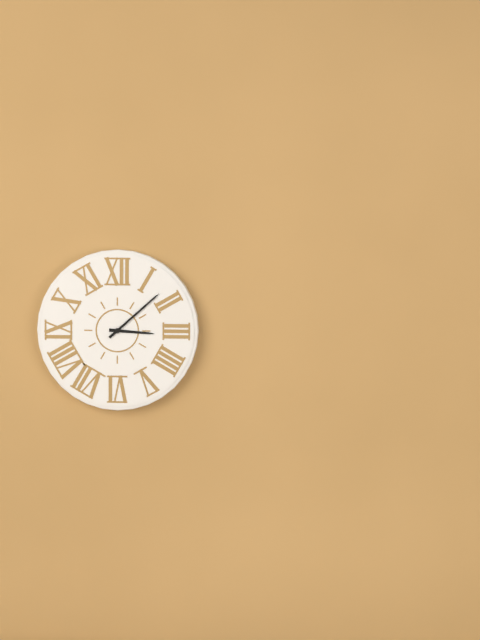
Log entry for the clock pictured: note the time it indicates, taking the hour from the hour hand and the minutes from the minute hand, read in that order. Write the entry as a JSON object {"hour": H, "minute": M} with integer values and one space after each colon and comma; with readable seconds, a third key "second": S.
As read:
{"hour": 3, "minute": 8}
